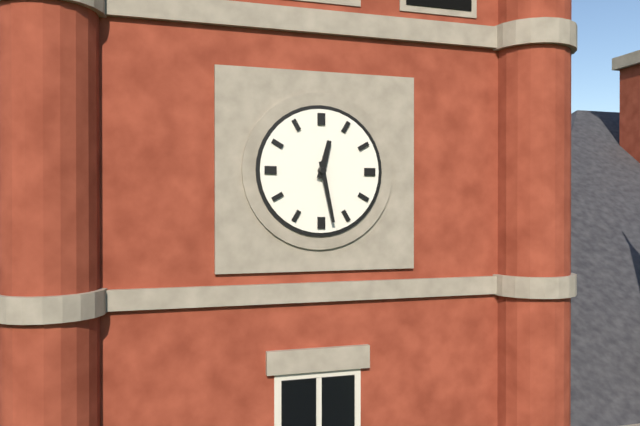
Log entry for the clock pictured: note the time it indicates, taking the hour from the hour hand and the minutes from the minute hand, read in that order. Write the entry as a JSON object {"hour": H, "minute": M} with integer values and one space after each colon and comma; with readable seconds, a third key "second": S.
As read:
{"hour": 12, "minute": 28}
